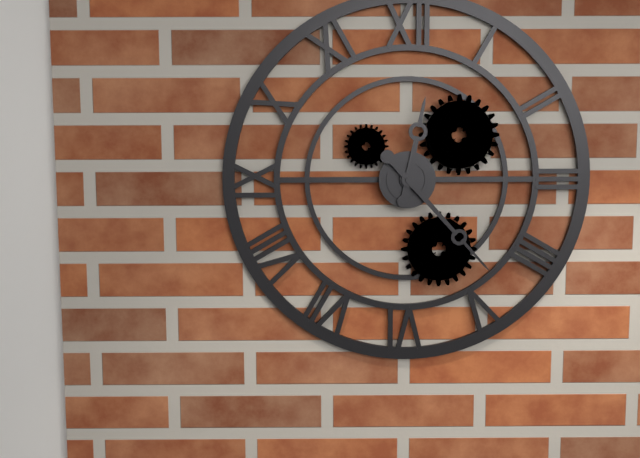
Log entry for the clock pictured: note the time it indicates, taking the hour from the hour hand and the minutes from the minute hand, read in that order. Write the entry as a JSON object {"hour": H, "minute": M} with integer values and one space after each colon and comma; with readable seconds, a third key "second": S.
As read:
{"hour": 12, "minute": 23}
